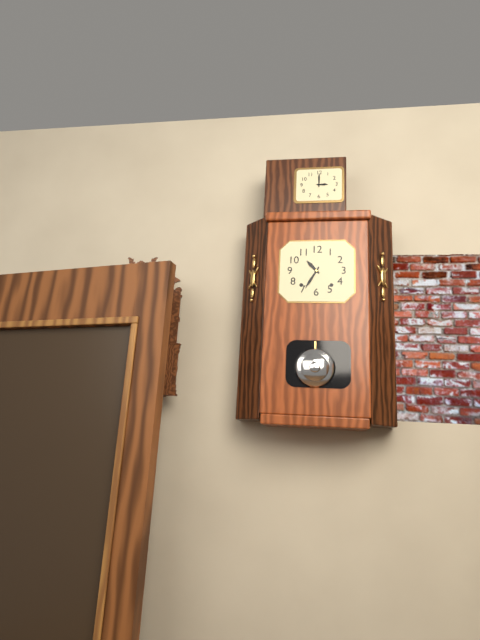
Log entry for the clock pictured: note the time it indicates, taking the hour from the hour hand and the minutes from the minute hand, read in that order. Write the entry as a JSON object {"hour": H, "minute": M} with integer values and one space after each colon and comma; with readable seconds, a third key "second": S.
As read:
{"hour": 10, "minute": 35}
